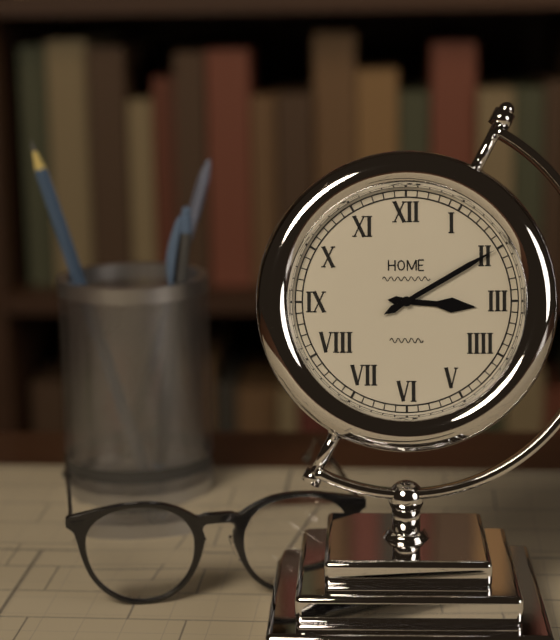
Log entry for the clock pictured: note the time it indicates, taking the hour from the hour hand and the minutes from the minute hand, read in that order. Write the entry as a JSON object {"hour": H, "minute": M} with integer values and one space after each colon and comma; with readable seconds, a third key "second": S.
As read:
{"hour": 3, "minute": 10}
